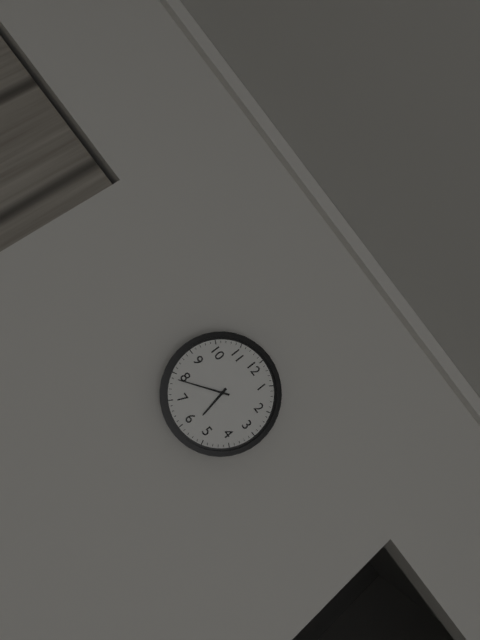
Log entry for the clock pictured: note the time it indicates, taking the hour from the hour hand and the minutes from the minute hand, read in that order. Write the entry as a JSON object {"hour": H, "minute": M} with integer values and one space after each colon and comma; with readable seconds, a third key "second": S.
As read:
{"hour": 5, "minute": 39}
